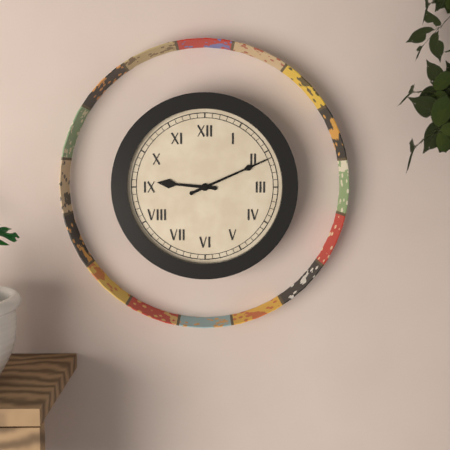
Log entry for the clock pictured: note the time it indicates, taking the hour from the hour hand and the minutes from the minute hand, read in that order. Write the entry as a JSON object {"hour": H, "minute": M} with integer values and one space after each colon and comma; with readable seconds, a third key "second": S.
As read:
{"hour": 9, "minute": 11}
